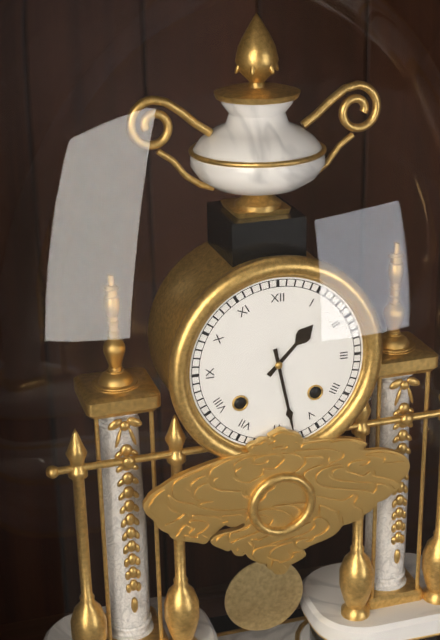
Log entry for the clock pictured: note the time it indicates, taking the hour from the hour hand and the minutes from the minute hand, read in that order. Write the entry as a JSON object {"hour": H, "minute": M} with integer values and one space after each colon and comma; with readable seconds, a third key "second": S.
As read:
{"hour": 1, "minute": 28}
